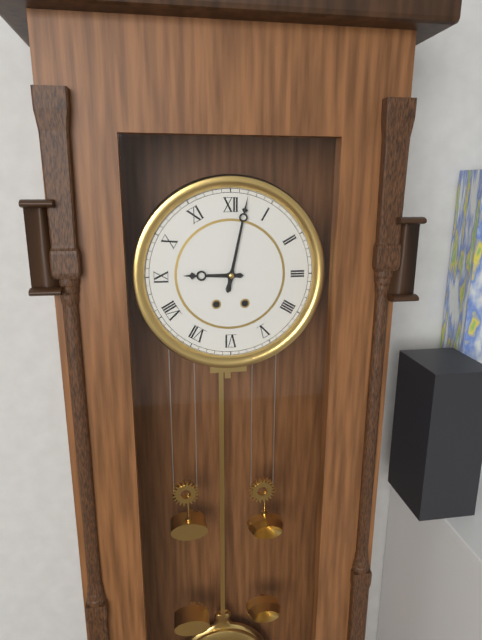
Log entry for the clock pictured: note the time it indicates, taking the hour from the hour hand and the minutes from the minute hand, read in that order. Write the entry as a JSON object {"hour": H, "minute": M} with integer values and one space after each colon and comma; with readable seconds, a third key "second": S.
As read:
{"hour": 9, "minute": 2}
